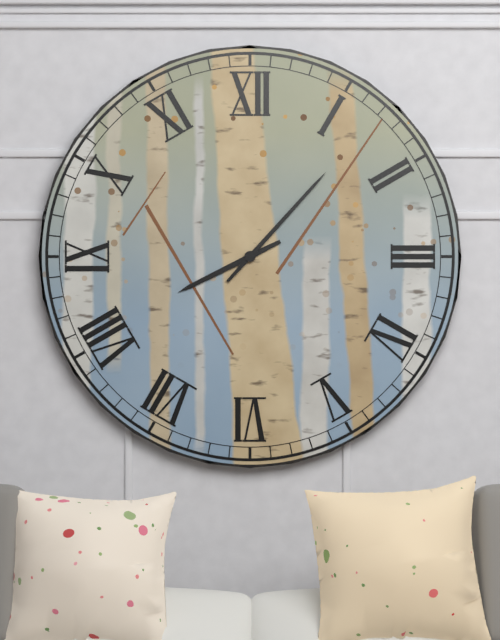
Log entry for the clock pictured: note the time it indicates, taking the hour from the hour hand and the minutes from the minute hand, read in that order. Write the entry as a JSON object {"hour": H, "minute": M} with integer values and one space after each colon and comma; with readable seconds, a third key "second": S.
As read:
{"hour": 8, "minute": 7}
